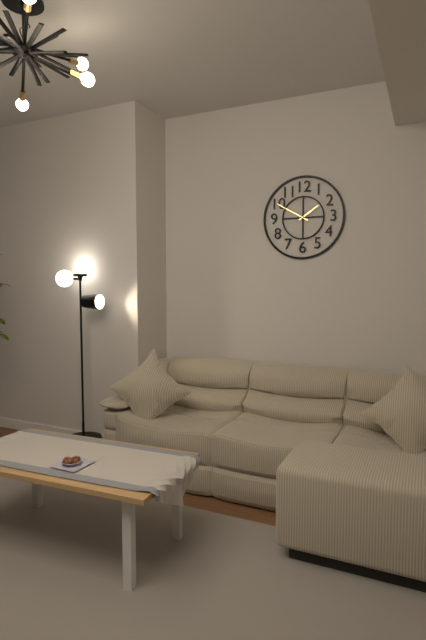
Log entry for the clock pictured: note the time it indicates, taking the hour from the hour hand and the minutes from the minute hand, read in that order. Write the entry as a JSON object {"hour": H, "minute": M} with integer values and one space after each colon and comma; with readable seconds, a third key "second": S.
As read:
{"hour": 1, "minute": 50}
